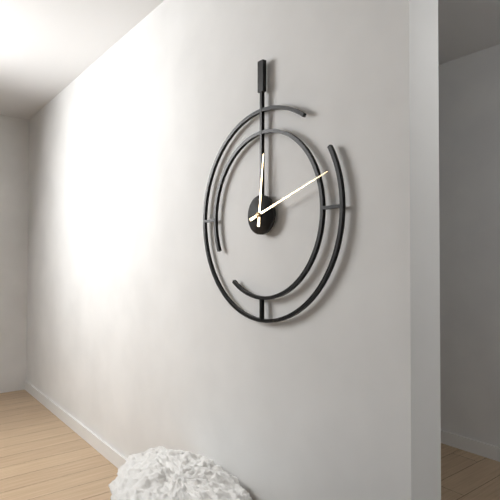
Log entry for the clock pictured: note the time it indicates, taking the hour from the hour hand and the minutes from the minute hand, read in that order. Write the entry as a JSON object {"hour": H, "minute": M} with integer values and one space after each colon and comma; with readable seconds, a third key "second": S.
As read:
{"hour": 12, "minute": 12}
